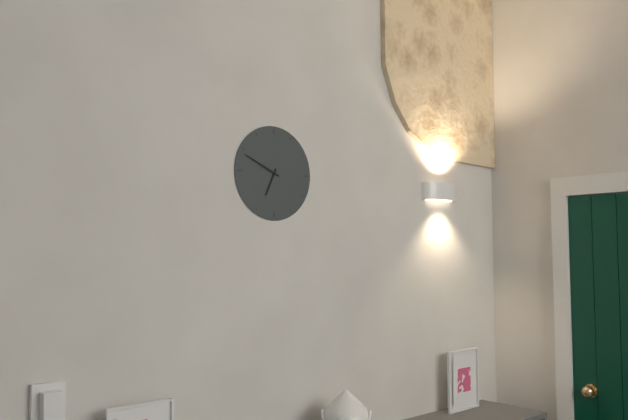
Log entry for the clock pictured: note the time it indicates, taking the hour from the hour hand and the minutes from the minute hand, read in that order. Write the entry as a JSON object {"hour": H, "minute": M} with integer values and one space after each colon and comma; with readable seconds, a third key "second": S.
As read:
{"hour": 6, "minute": 49}
